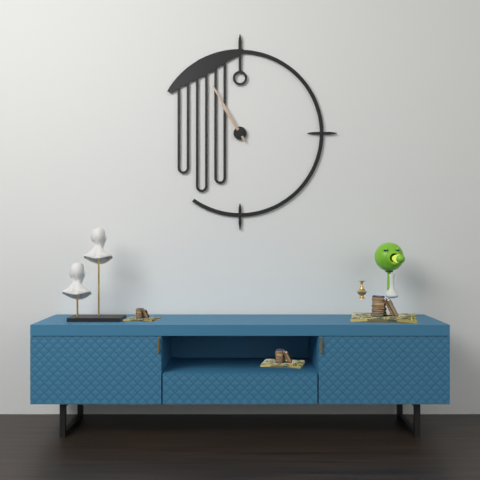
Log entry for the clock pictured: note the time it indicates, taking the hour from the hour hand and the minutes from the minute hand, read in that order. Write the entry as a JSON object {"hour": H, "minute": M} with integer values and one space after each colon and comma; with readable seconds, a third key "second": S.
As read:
{"hour": 10, "minute": 55}
